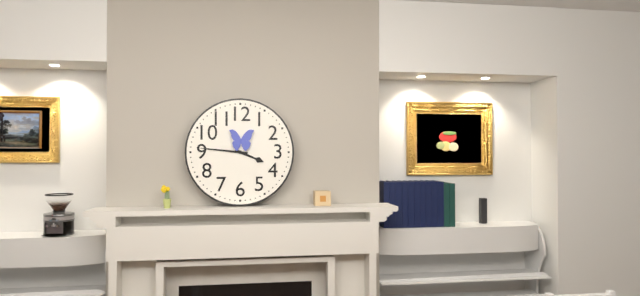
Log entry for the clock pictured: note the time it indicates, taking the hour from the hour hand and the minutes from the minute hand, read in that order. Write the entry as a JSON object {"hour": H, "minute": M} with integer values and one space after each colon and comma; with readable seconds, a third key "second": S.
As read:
{"hour": 3, "minute": 46}
